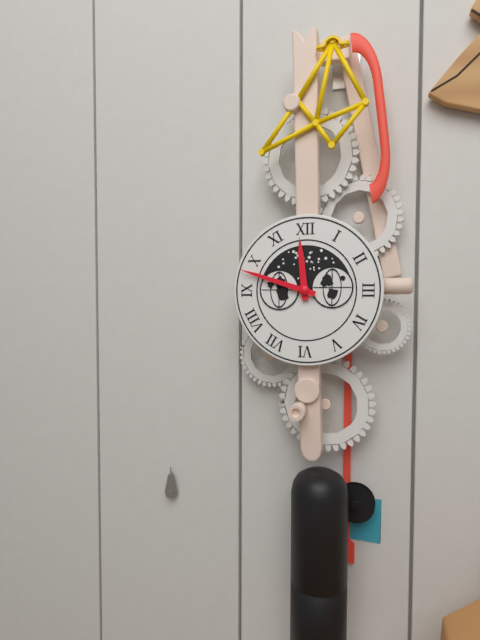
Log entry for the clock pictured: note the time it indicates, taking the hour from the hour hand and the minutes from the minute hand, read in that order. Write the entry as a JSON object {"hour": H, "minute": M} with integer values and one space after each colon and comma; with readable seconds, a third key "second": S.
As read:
{"hour": 11, "minute": 48}
